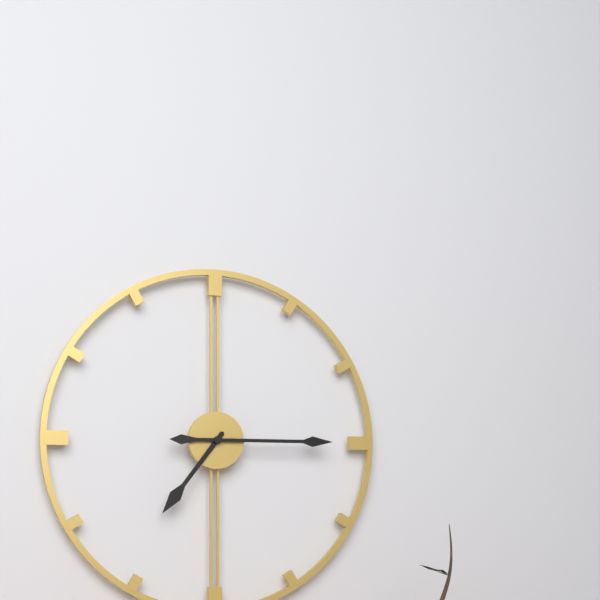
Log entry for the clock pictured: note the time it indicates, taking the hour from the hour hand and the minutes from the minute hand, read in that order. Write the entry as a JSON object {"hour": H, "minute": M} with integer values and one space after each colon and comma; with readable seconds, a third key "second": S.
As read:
{"hour": 7, "minute": 15}
